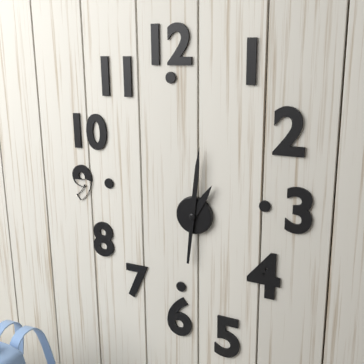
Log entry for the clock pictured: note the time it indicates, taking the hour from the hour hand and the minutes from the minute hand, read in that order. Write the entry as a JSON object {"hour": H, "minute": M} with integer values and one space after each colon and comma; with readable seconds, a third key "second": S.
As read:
{"hour": 1, "minute": 1}
